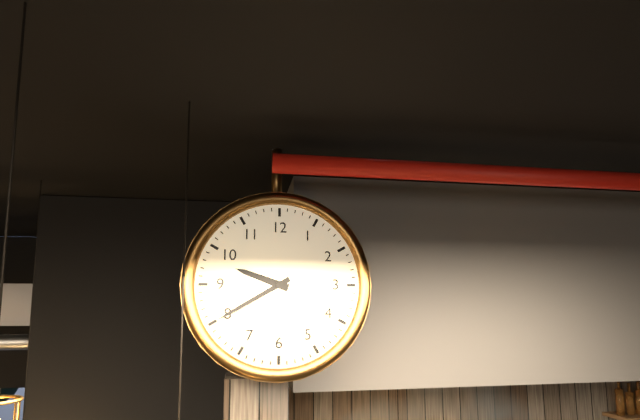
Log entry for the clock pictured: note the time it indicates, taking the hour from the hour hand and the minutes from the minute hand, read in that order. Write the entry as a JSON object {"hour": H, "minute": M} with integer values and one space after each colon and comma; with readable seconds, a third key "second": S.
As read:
{"hour": 9, "minute": 40}
